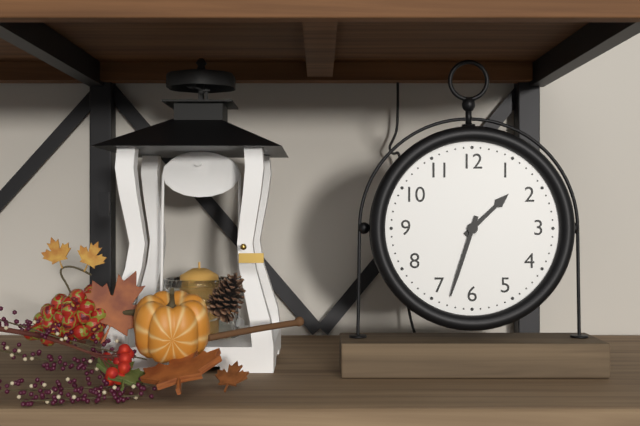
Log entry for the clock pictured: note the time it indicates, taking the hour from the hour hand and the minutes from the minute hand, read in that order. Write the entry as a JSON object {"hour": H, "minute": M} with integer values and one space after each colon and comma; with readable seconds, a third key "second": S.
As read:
{"hour": 1, "minute": 33}
